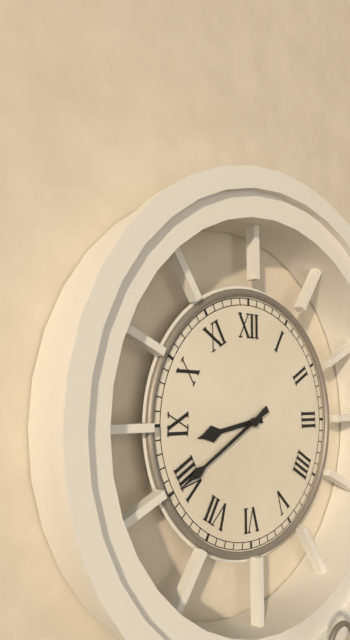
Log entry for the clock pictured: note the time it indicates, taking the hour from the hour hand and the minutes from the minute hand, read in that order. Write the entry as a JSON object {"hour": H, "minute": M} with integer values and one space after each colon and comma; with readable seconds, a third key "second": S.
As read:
{"hour": 8, "minute": 40}
